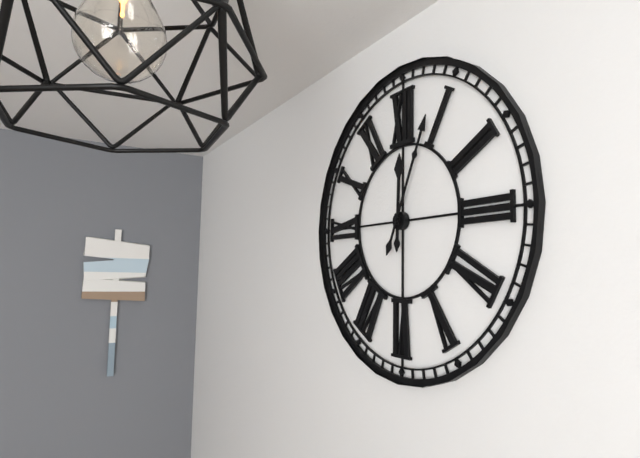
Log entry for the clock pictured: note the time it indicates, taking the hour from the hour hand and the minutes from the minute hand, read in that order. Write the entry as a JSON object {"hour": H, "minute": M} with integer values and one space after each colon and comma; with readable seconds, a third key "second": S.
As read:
{"hour": 12, "minute": 4}
